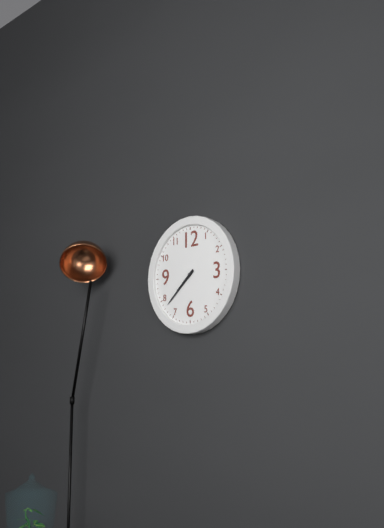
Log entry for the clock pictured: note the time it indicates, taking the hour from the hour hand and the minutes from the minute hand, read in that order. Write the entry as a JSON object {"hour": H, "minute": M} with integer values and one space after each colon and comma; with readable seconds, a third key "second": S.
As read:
{"hour": 7, "minute": 38}
